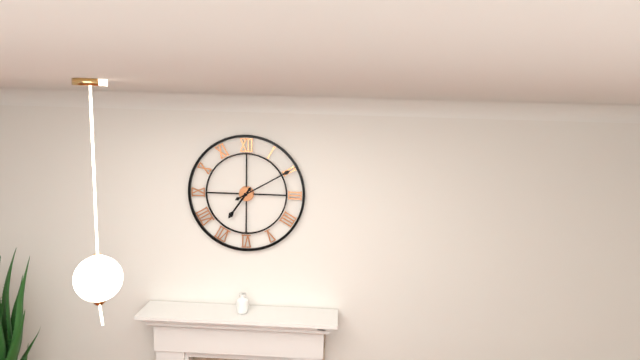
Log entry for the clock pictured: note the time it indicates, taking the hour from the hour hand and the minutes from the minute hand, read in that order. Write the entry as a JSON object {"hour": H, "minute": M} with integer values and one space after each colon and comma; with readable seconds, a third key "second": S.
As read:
{"hour": 7, "minute": 10}
